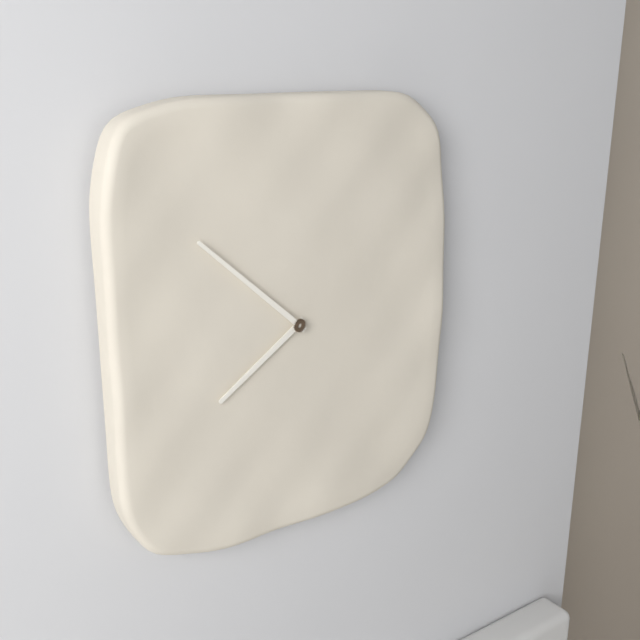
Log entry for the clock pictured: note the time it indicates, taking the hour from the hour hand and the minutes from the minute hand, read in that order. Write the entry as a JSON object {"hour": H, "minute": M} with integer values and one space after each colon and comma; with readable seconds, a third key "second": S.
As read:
{"hour": 7, "minute": 52}
